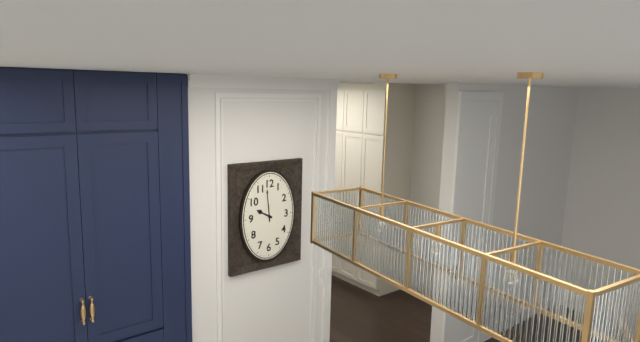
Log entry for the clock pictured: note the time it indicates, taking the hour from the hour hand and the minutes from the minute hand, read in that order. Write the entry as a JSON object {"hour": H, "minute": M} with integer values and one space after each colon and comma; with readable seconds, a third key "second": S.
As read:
{"hour": 9, "minute": 59}
